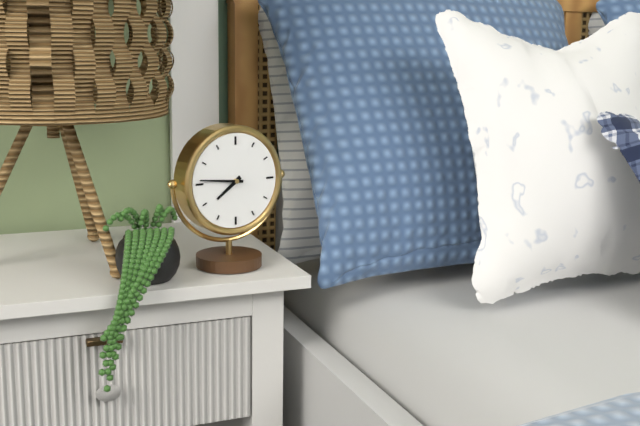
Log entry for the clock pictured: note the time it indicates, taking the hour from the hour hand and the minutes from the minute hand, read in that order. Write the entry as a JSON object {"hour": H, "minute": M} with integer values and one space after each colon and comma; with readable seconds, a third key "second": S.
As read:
{"hour": 7, "minute": 46}
